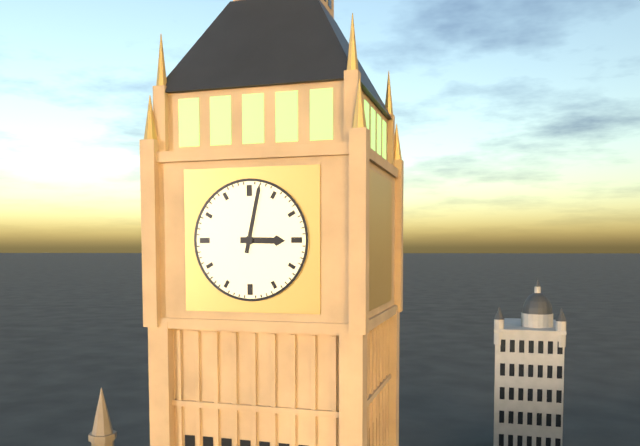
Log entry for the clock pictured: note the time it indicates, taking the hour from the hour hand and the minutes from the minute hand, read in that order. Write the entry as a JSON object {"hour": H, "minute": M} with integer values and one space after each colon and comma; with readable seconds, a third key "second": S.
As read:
{"hour": 3, "minute": 2}
